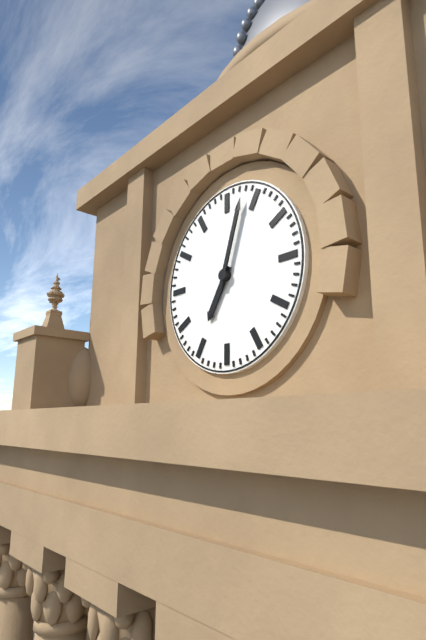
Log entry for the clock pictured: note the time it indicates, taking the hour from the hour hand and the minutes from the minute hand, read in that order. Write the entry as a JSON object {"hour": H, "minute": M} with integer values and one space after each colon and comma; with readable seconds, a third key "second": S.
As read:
{"hour": 7, "minute": 3}
